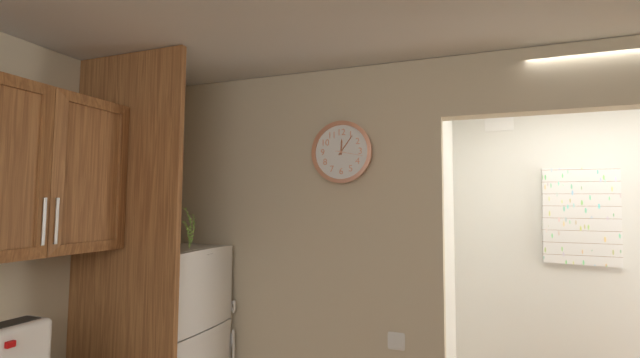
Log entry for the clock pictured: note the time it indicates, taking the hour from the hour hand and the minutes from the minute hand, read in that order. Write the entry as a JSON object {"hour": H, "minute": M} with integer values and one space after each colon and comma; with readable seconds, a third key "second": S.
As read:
{"hour": 12, "minute": 6}
